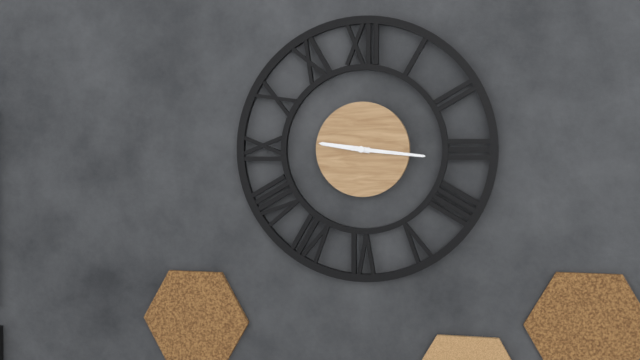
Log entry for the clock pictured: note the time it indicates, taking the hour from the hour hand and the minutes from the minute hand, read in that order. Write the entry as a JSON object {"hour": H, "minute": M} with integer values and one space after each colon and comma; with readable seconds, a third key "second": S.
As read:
{"hour": 9, "minute": 16}
